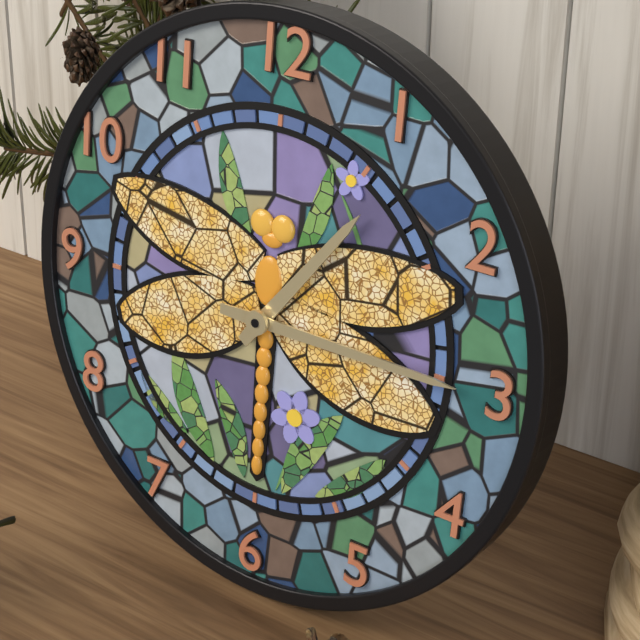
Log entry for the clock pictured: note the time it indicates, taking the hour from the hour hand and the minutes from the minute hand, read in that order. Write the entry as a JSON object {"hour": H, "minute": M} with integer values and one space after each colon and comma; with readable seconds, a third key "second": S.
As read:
{"hour": 1, "minute": 15}
